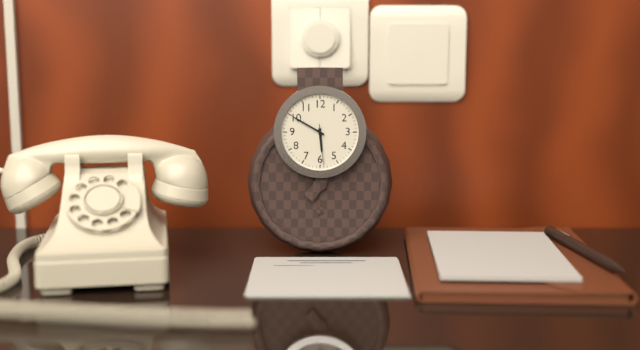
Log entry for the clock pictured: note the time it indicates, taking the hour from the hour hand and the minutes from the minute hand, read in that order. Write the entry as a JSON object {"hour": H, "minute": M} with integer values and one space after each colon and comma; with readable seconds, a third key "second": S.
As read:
{"hour": 5, "minute": 50}
